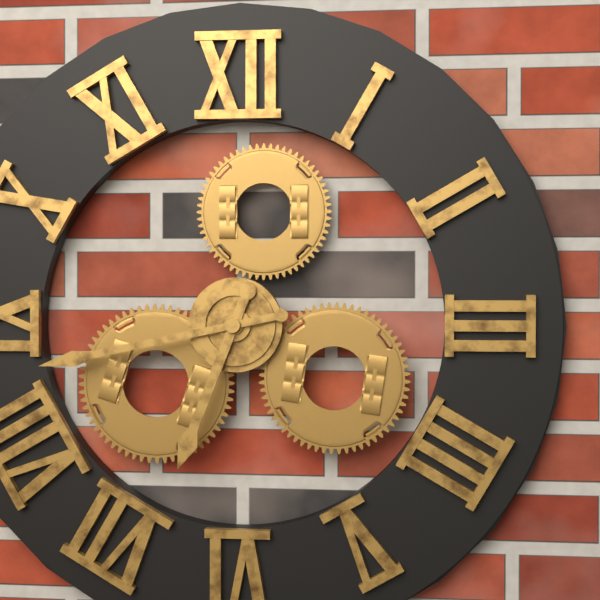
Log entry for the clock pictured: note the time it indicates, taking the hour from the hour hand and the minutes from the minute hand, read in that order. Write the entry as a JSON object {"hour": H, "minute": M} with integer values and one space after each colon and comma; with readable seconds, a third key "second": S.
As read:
{"hour": 6, "minute": 43}
